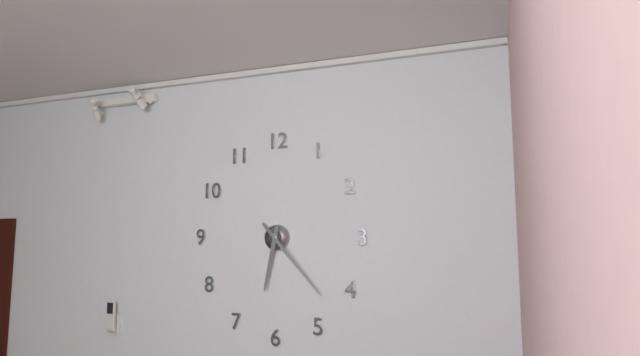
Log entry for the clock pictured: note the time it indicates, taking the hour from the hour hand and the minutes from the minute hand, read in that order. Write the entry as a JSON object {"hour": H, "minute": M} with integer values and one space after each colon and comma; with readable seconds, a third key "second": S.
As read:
{"hour": 6, "minute": 23}
